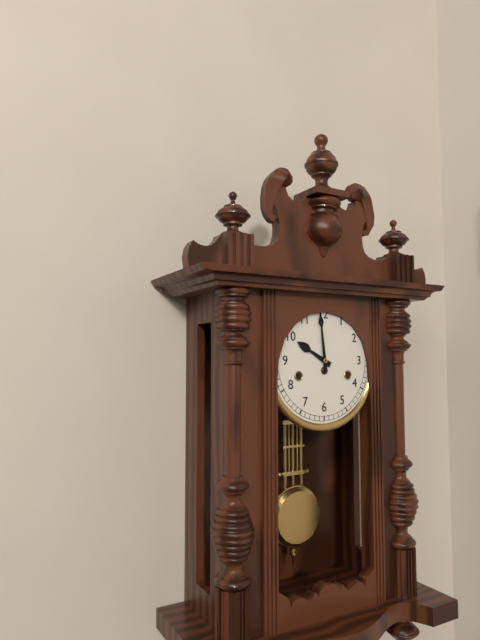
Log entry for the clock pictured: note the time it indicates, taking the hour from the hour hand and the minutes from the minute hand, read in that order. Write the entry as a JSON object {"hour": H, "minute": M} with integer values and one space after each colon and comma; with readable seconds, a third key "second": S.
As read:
{"hour": 9, "minute": 59}
